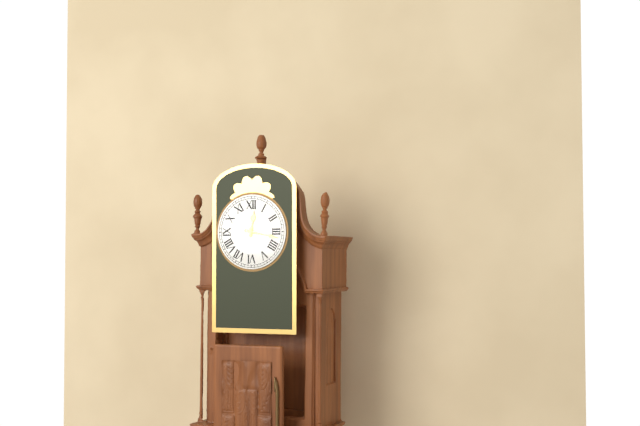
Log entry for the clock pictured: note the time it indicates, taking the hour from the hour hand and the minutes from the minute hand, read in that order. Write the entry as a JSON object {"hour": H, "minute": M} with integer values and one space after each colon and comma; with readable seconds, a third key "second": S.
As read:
{"hour": 12, "minute": 17}
